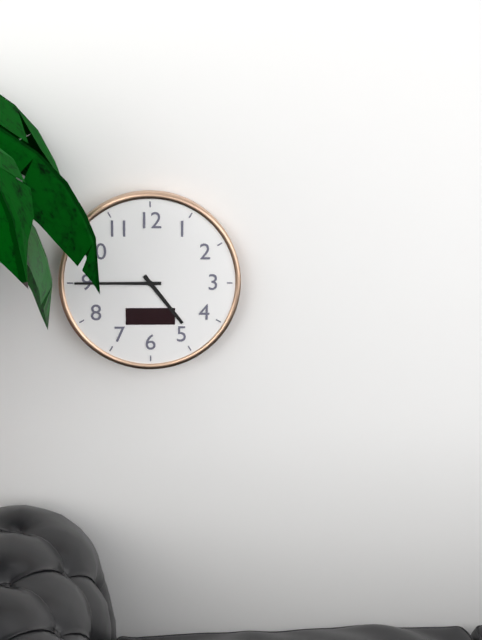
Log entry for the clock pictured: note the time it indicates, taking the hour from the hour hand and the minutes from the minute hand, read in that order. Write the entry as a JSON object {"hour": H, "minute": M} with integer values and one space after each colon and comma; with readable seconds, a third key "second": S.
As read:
{"hour": 4, "minute": 45}
